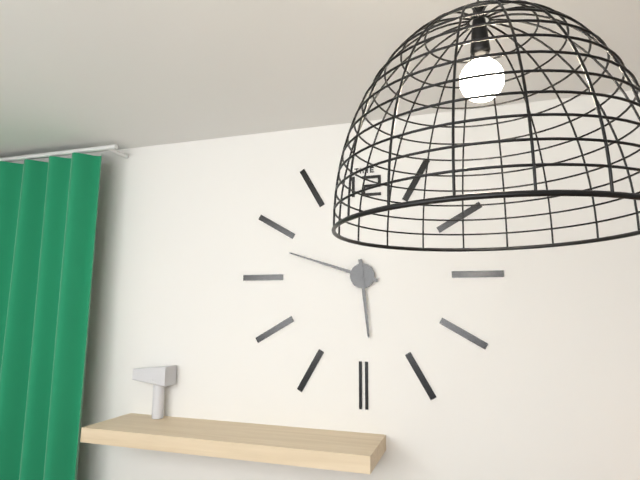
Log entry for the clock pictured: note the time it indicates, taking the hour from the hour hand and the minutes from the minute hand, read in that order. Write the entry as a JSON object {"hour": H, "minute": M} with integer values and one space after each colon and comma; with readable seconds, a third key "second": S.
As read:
{"hour": 5, "minute": 48}
